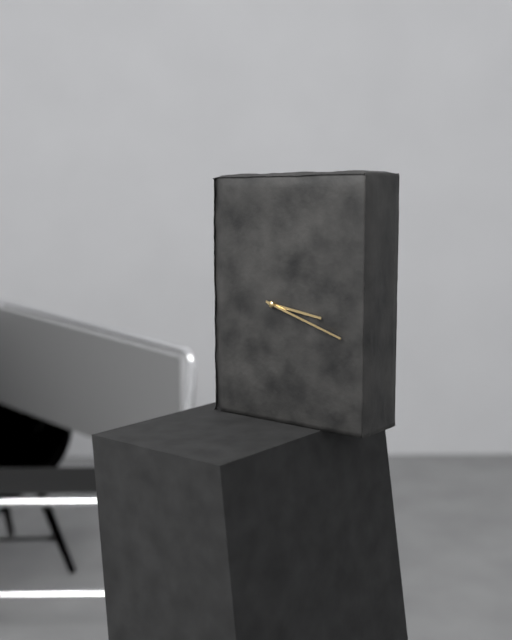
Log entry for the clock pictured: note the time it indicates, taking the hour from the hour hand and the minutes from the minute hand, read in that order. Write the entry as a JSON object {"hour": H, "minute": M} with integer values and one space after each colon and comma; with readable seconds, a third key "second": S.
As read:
{"hour": 3, "minute": 18}
